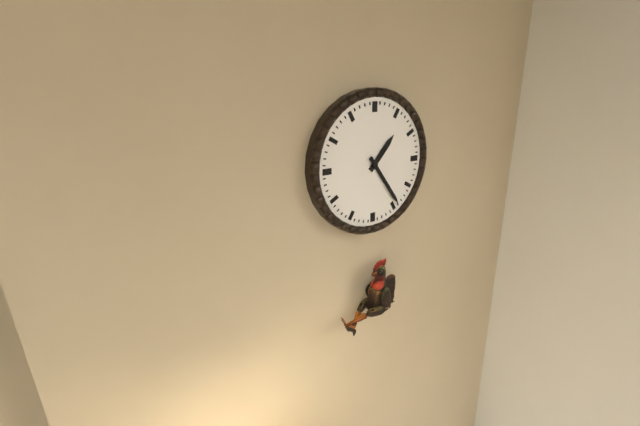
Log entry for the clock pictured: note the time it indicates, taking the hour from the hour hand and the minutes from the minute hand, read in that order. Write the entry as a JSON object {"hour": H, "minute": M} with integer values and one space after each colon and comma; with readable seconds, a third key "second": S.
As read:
{"hour": 1, "minute": 24}
